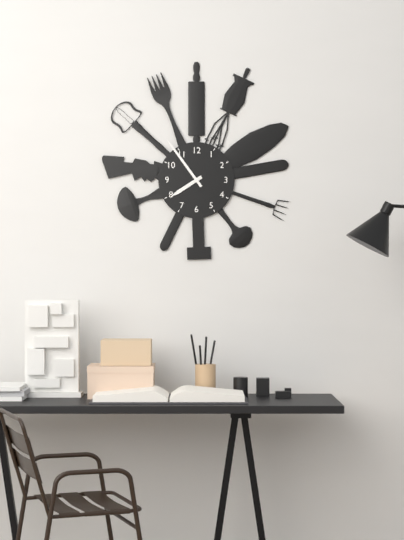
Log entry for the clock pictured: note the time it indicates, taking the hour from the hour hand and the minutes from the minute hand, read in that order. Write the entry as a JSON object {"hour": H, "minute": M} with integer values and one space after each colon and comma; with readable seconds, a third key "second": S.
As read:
{"hour": 7, "minute": 54}
